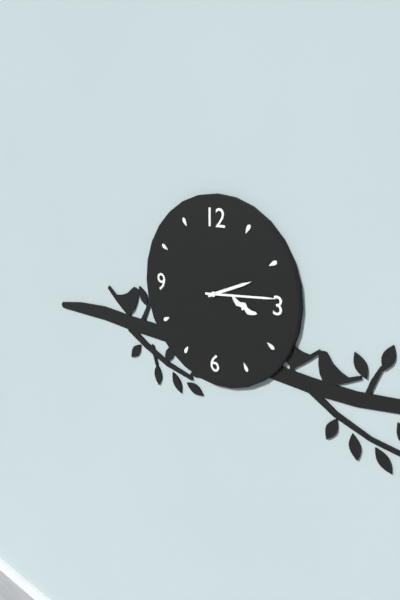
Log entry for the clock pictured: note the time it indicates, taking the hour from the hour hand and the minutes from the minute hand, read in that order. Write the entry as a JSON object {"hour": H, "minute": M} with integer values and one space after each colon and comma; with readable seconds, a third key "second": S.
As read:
{"hour": 2, "minute": 14}
